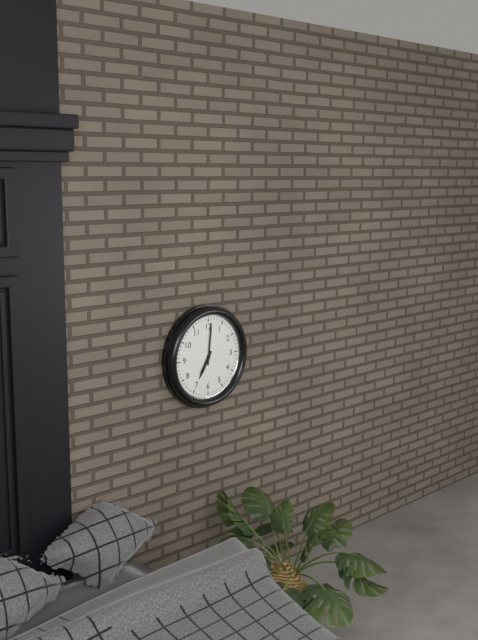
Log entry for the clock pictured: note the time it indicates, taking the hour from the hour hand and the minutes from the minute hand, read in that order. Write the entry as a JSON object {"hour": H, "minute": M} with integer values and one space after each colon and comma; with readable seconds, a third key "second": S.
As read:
{"hour": 7, "minute": 1}
